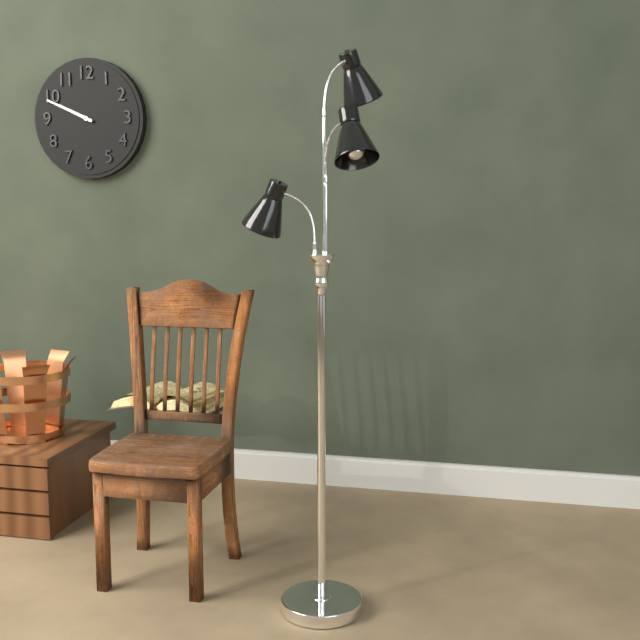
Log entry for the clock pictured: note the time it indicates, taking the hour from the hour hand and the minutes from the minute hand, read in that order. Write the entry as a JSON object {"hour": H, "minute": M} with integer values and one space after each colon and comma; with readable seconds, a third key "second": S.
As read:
{"hour": 9, "minute": 49}
